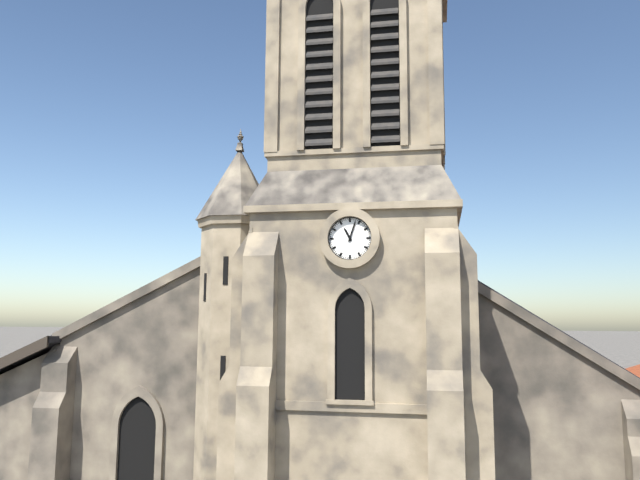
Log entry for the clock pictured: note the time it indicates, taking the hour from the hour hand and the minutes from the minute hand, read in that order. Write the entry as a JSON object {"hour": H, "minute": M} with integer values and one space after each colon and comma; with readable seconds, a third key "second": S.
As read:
{"hour": 11, "minute": 3}
